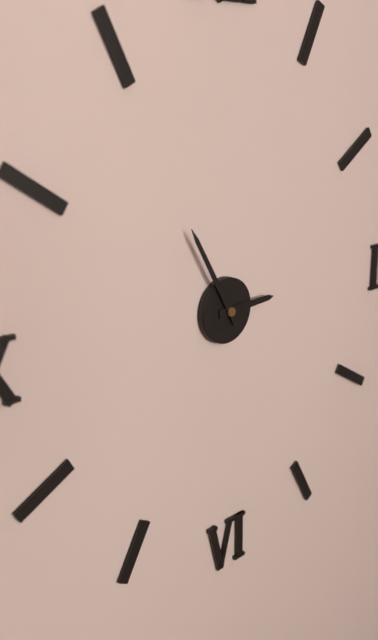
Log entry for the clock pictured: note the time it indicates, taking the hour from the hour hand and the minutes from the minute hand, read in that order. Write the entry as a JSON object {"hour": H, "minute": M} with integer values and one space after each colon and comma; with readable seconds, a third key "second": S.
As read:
{"hour": 2, "minute": 55}
